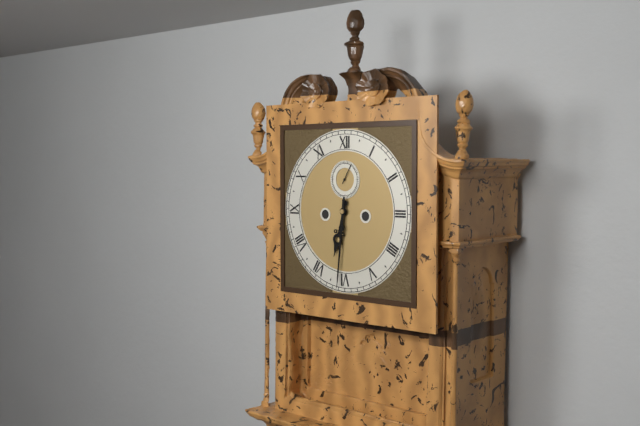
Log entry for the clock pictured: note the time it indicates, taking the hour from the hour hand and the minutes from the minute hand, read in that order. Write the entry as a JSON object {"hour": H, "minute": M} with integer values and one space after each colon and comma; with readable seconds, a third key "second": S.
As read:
{"hour": 6, "minute": 31}
